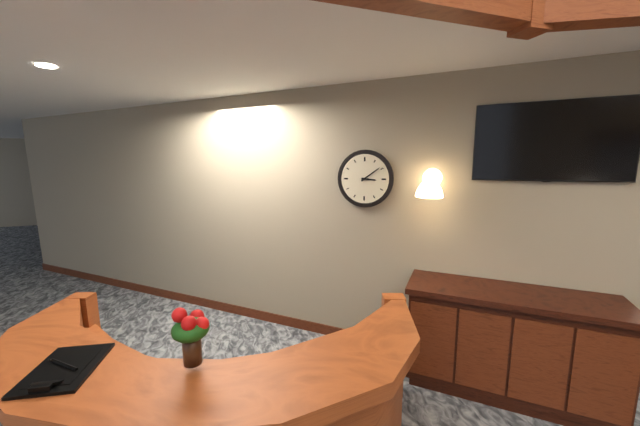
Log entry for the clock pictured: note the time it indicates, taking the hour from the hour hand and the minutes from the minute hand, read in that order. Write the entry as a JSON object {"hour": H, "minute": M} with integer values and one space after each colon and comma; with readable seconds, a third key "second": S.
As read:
{"hour": 3, "minute": 9}
